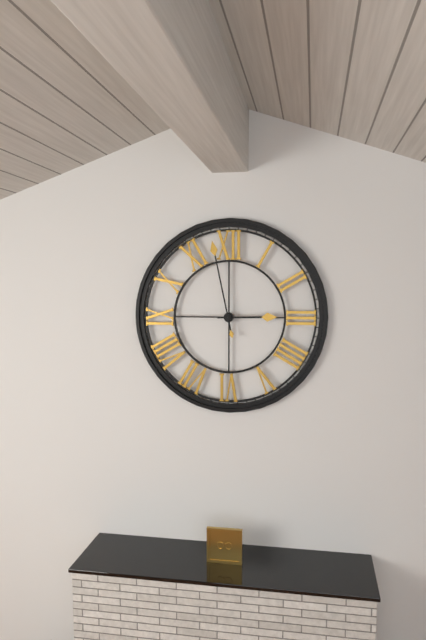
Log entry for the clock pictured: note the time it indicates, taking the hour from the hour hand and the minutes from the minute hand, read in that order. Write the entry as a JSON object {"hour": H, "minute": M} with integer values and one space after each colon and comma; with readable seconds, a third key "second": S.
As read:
{"hour": 2, "minute": 58}
